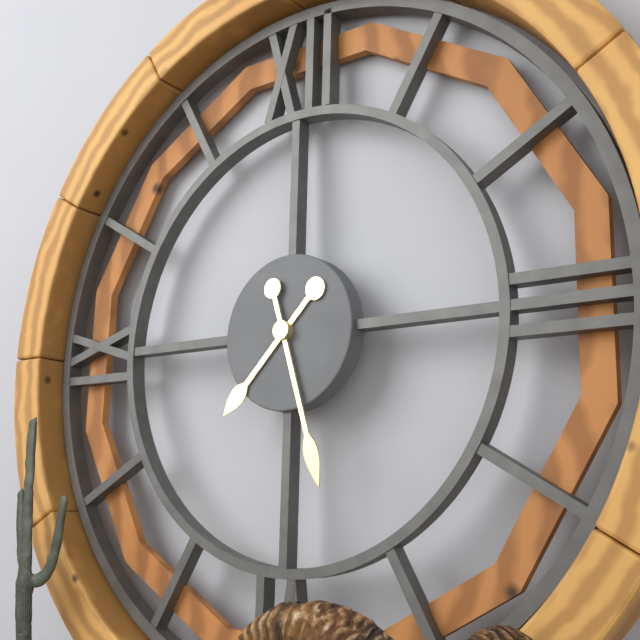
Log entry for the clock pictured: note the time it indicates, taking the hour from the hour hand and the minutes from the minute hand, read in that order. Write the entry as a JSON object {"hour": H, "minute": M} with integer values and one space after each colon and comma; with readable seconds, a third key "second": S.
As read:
{"hour": 7, "minute": 27}
